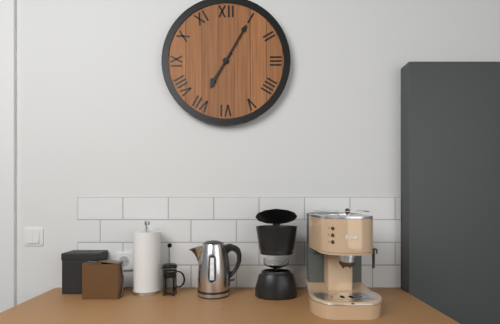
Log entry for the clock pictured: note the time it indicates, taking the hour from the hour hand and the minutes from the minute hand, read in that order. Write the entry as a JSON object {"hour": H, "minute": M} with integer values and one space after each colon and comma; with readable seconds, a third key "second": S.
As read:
{"hour": 7, "minute": 5}
